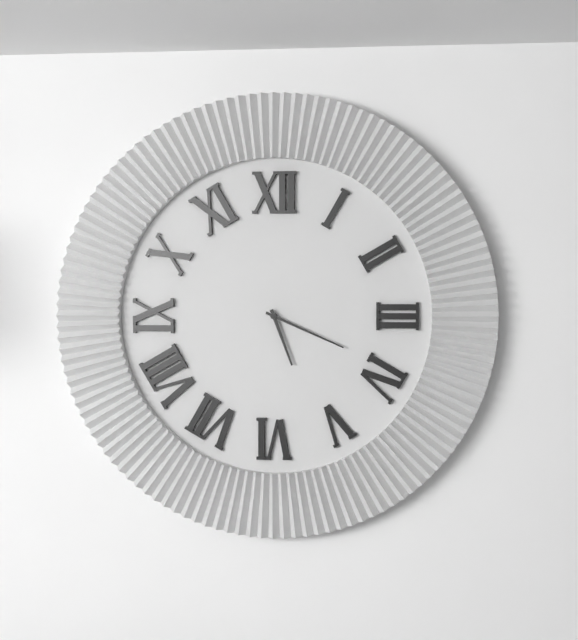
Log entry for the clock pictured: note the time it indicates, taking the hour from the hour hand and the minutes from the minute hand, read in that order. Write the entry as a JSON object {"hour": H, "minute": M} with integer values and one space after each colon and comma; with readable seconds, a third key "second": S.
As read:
{"hour": 5, "minute": 19}
